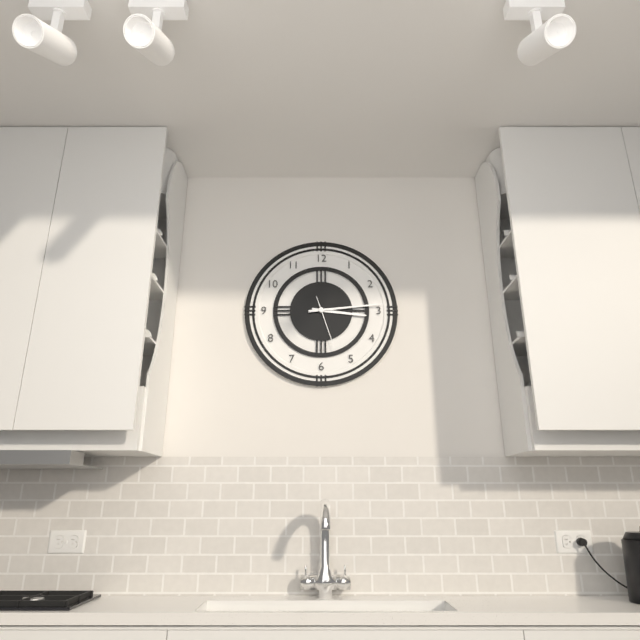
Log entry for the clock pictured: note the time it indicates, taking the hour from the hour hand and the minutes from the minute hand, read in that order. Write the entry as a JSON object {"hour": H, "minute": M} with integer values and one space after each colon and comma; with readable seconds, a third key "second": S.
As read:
{"hour": 3, "minute": 14}
